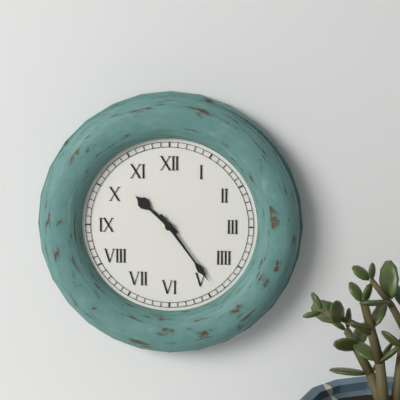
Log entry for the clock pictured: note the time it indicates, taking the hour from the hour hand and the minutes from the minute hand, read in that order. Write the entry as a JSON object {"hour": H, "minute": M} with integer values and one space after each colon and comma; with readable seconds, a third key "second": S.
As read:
{"hour": 10, "minute": 24}
